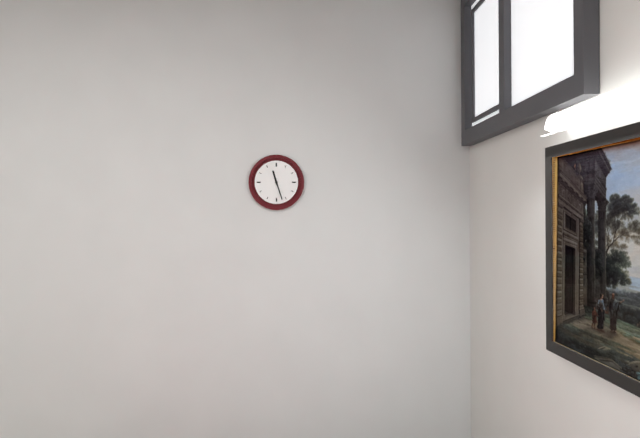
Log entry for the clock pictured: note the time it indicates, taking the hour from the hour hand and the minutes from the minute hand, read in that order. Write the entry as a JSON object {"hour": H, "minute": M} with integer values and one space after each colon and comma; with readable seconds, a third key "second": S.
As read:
{"hour": 11, "minute": 27}
